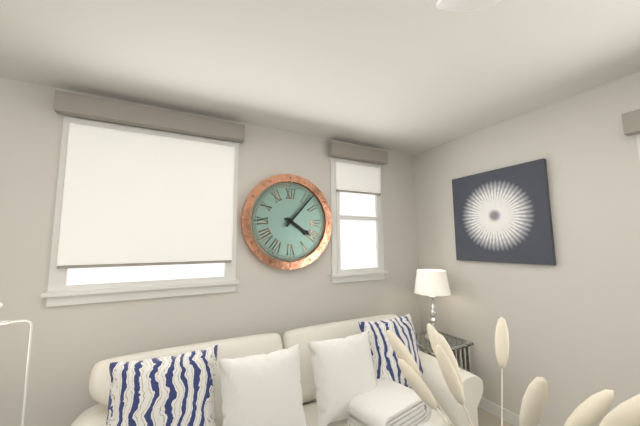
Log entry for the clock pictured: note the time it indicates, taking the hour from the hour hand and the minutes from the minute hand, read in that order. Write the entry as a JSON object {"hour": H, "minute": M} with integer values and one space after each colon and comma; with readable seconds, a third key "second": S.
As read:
{"hour": 4, "minute": 7}
